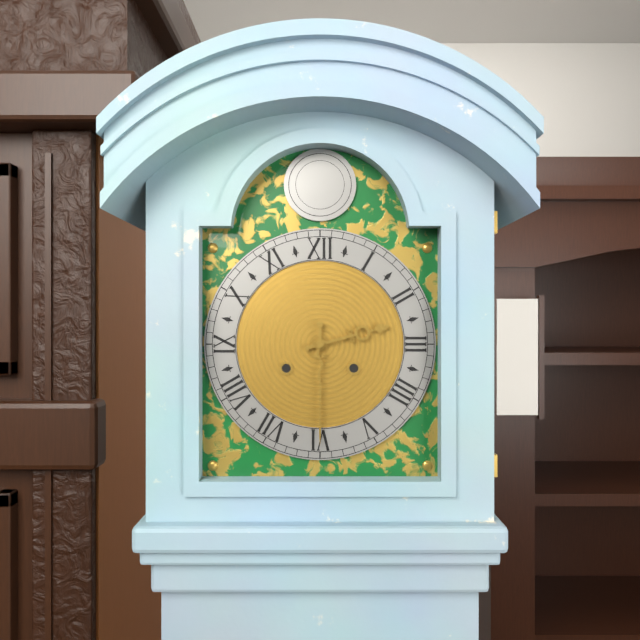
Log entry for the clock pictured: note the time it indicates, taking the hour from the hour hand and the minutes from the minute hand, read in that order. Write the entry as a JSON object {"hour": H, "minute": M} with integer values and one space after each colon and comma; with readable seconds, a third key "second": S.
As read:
{"hour": 2, "minute": 30}
